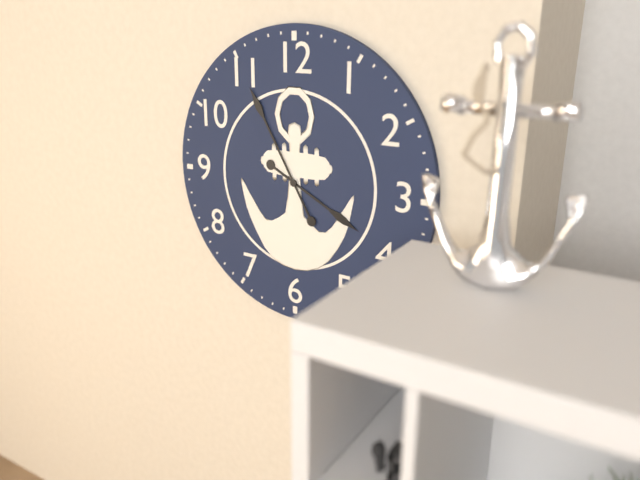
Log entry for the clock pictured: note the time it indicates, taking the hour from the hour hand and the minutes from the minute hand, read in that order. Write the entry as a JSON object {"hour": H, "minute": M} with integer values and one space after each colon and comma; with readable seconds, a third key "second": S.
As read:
{"hour": 3, "minute": 55}
